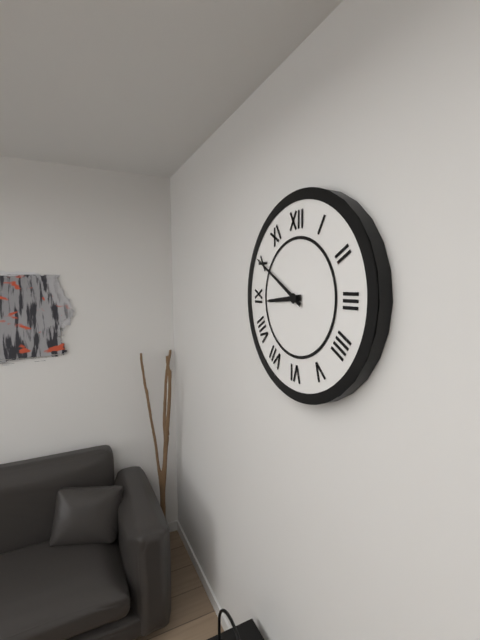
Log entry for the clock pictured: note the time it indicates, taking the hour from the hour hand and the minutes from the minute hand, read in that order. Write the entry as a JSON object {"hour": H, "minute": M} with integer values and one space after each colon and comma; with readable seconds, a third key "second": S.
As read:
{"hour": 8, "minute": 50}
